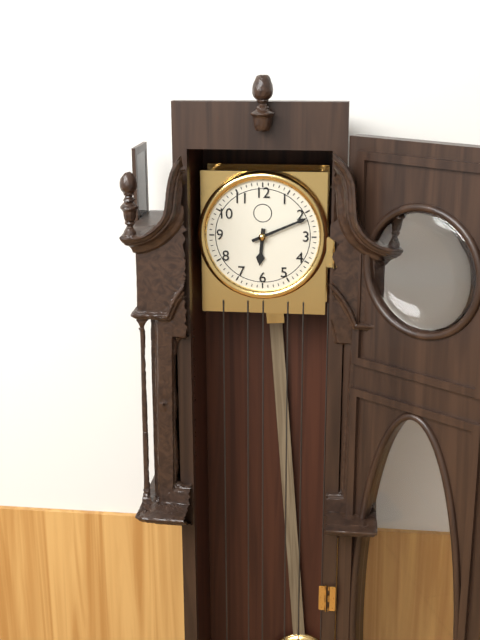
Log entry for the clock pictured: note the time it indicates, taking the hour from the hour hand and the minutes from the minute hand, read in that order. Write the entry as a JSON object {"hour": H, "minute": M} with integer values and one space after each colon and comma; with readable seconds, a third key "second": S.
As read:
{"hour": 6, "minute": 11}
